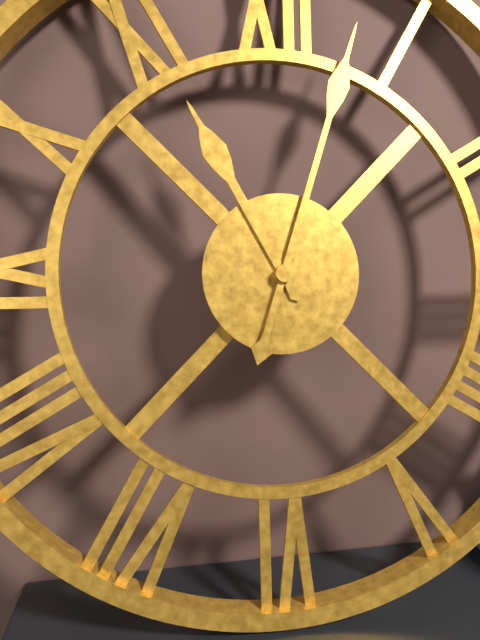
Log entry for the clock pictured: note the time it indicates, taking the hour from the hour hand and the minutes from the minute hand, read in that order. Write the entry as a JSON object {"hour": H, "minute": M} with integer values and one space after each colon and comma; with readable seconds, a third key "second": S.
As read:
{"hour": 11, "minute": 3}
